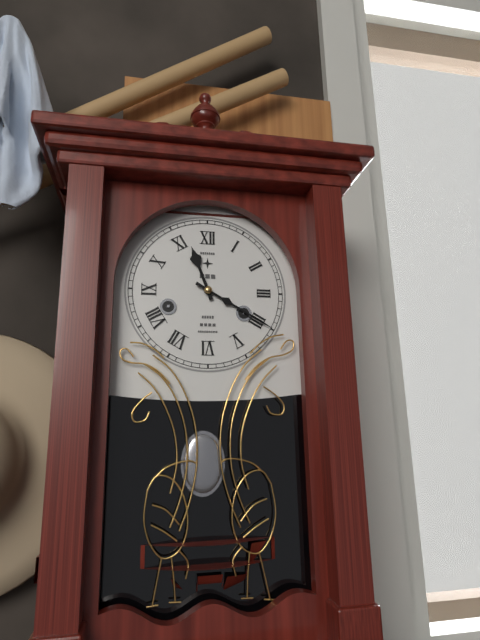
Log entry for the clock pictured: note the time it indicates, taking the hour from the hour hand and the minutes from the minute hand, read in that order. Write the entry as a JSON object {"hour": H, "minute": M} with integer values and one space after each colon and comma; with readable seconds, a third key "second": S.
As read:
{"hour": 11, "minute": 20}
